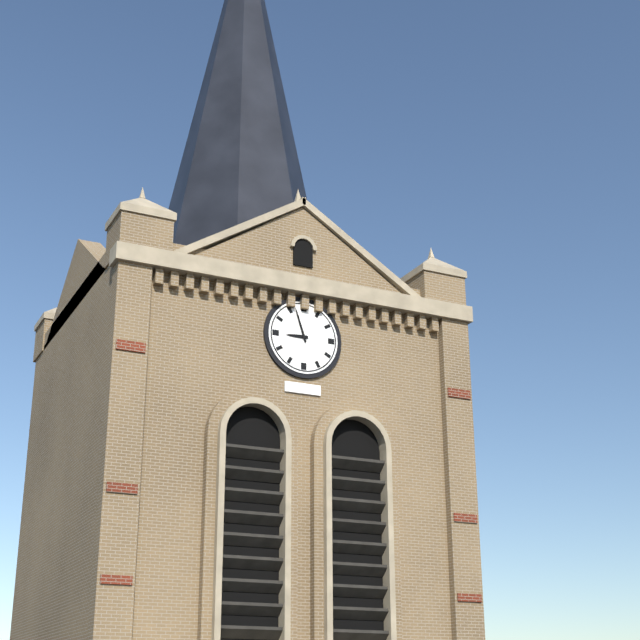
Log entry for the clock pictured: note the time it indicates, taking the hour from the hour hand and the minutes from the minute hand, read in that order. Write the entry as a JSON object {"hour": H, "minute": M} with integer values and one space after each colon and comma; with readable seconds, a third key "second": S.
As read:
{"hour": 8, "minute": 57}
